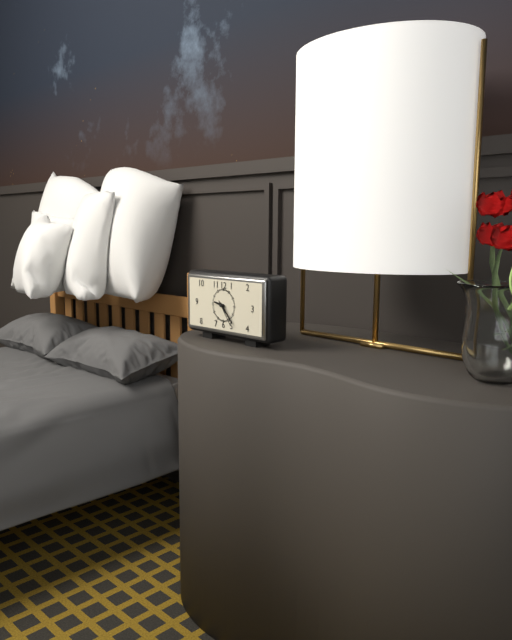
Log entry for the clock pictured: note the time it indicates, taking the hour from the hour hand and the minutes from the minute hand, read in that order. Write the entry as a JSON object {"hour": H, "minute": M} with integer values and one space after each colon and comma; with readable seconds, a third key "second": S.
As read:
{"hour": 9, "minute": 23}
